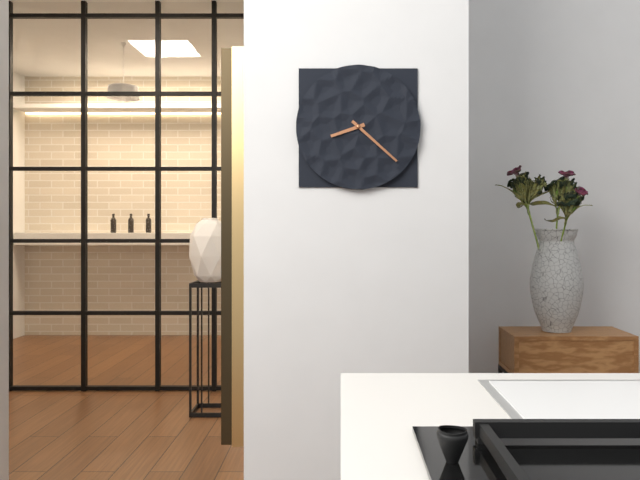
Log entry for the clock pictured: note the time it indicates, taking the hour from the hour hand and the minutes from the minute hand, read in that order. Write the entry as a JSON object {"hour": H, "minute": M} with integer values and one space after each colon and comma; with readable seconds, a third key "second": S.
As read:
{"hour": 8, "minute": 22}
